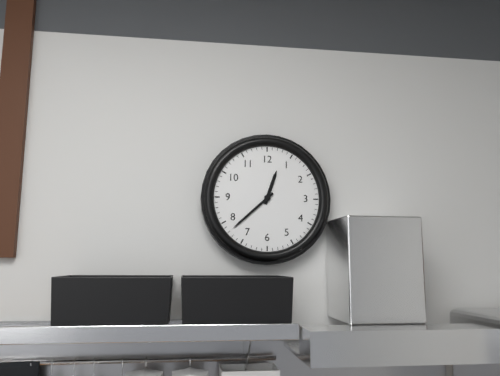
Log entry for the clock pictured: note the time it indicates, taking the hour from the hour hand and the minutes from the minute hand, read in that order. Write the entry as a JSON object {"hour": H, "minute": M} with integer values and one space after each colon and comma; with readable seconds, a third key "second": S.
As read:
{"hour": 12, "minute": 38}
